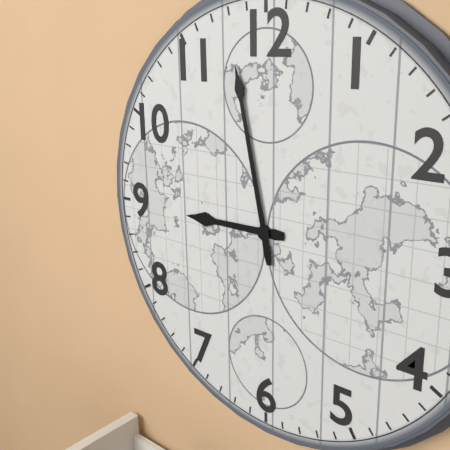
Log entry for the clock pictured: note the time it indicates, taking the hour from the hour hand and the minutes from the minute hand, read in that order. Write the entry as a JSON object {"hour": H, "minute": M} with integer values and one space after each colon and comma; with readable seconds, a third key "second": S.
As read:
{"hour": 8, "minute": 58}
